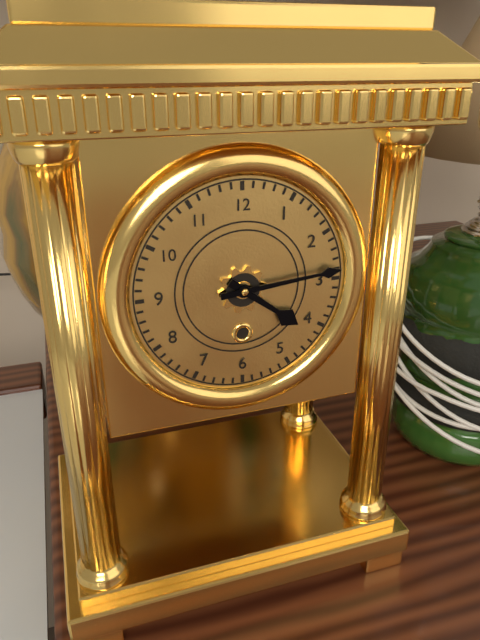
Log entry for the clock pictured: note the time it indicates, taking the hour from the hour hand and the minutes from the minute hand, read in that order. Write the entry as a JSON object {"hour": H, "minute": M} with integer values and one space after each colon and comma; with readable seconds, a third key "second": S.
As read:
{"hour": 4, "minute": 14}
